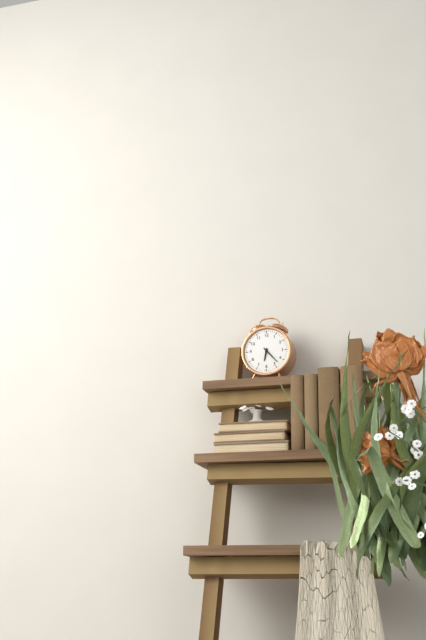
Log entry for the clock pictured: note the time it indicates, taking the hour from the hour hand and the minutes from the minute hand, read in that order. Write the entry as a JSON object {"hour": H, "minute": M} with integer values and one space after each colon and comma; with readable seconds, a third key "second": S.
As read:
{"hour": 6, "minute": 23}
